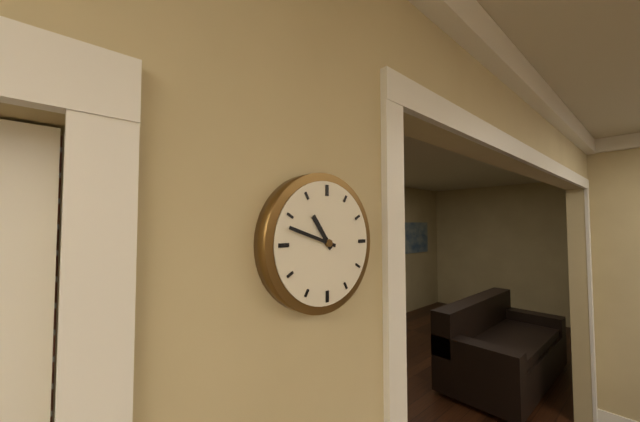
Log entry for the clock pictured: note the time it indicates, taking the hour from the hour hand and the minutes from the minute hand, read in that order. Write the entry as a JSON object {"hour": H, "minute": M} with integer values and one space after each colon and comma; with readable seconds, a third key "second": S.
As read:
{"hour": 10, "minute": 48}
